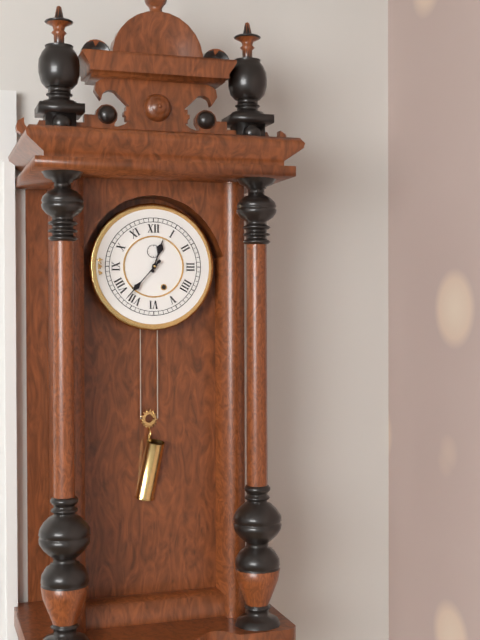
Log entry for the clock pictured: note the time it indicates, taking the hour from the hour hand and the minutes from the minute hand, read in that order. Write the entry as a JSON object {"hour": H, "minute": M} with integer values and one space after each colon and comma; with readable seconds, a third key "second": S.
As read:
{"hour": 12, "minute": 37}
